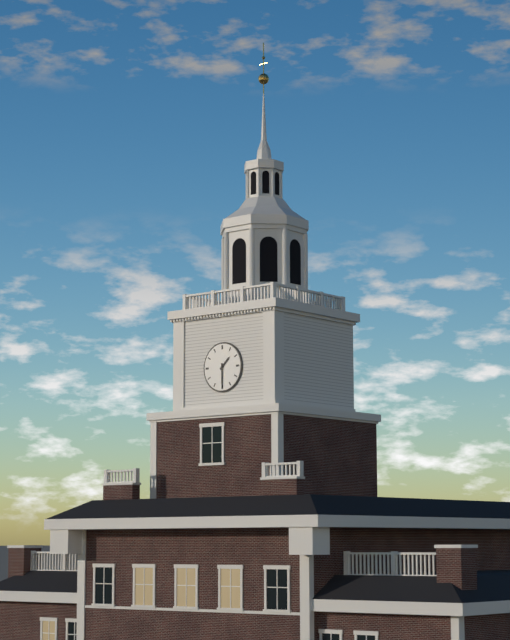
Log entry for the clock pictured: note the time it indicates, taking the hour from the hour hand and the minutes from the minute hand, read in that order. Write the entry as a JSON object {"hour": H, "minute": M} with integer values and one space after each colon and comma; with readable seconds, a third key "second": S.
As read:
{"hour": 1, "minute": 30}
